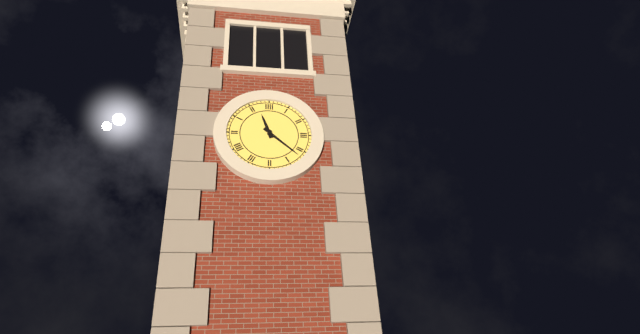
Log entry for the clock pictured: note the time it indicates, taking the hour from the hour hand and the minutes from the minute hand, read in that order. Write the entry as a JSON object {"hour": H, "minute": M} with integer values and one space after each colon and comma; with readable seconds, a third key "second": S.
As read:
{"hour": 11, "minute": 22}
